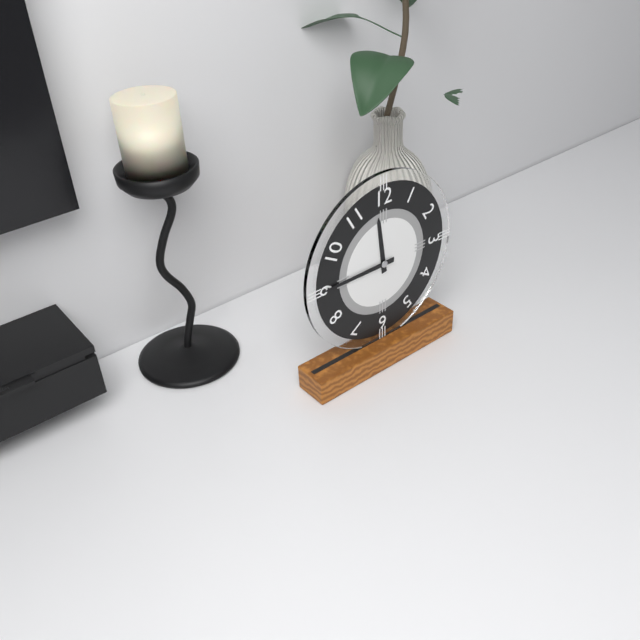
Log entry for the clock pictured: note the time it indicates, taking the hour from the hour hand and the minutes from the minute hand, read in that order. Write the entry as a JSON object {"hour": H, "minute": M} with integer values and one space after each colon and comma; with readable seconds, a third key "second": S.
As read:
{"hour": 11, "minute": 45}
